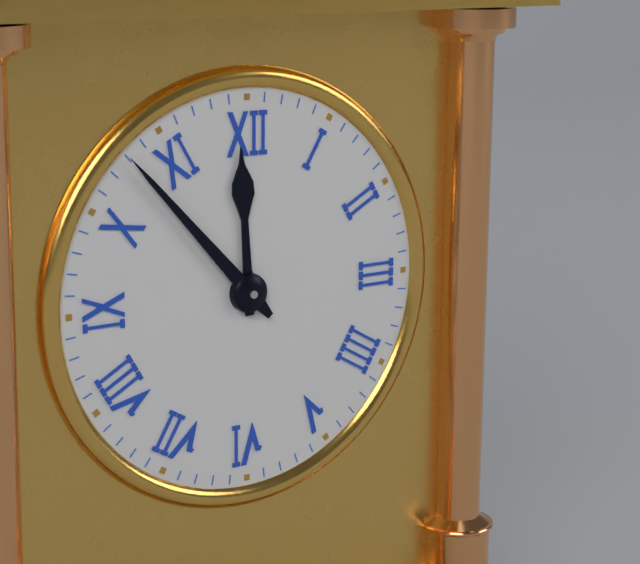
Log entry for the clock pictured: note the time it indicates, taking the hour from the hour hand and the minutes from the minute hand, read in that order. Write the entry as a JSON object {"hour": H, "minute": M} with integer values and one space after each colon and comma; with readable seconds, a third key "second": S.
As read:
{"hour": 11, "minute": 53}
